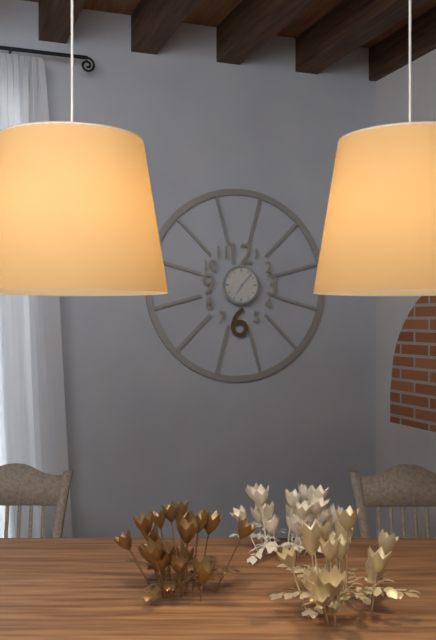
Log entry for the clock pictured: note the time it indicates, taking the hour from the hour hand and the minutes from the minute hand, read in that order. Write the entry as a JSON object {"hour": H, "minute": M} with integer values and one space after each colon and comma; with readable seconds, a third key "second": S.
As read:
{"hour": 7, "minute": 7}
